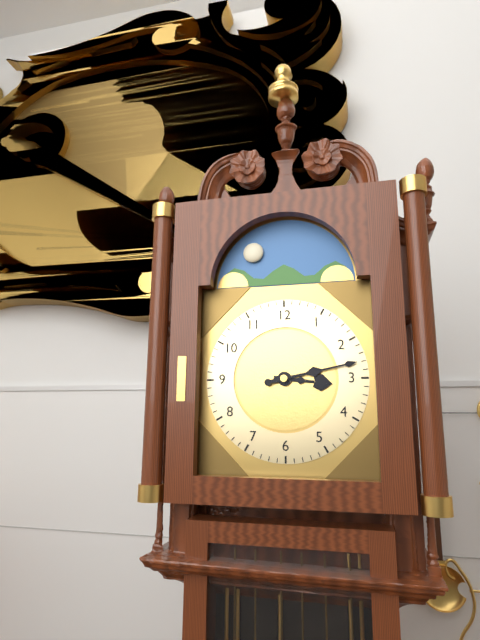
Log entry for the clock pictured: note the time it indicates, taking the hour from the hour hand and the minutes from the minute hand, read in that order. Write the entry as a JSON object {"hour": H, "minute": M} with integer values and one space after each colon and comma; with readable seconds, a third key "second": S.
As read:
{"hour": 3, "minute": 13}
